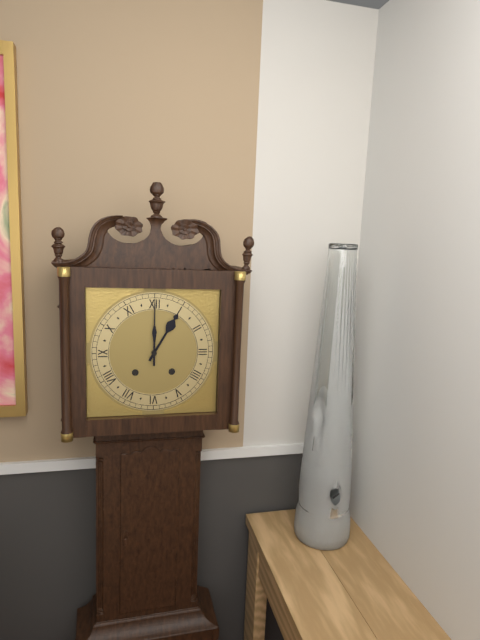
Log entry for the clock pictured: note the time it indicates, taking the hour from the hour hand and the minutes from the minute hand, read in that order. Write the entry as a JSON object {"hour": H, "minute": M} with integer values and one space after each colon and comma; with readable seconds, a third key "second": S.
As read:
{"hour": 1, "minute": 0}
